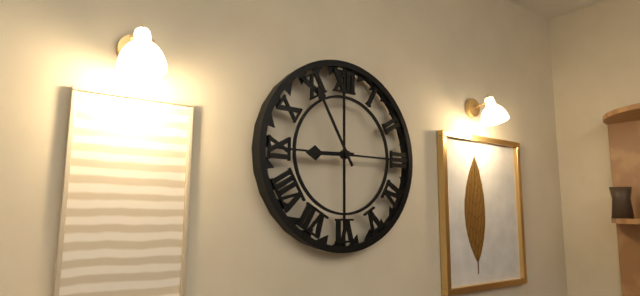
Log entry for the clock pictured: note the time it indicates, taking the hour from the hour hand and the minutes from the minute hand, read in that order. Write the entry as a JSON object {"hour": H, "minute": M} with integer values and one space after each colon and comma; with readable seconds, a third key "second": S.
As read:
{"hour": 8, "minute": 55}
